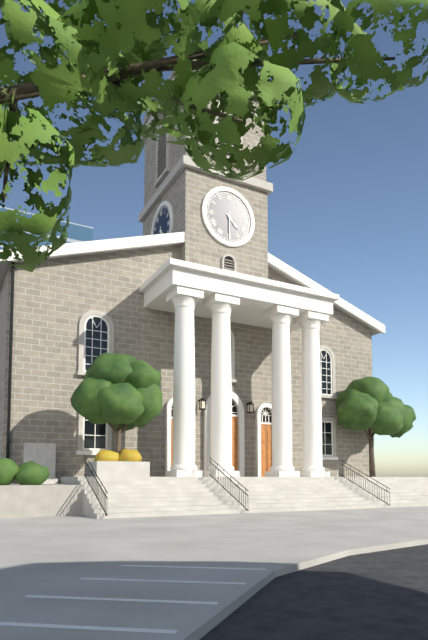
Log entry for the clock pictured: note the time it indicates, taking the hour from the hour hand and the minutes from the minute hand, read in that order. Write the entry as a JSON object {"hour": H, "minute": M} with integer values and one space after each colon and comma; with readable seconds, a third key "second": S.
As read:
{"hour": 4, "minute": 30}
